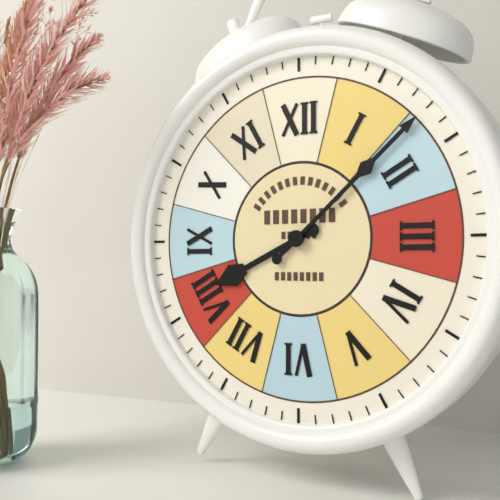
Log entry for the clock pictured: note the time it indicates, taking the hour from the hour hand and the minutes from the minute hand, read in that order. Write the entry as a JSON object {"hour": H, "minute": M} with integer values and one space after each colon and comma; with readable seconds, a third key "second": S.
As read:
{"hour": 8, "minute": 8}
